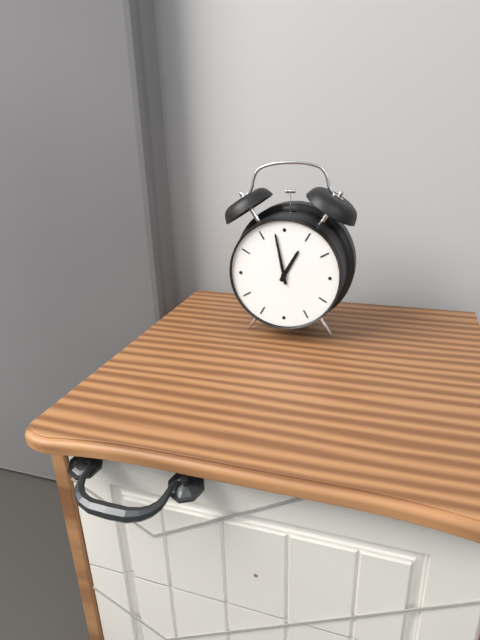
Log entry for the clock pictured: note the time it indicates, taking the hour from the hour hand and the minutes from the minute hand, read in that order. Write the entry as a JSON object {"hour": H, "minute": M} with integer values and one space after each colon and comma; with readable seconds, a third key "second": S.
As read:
{"hour": 12, "minute": 58}
